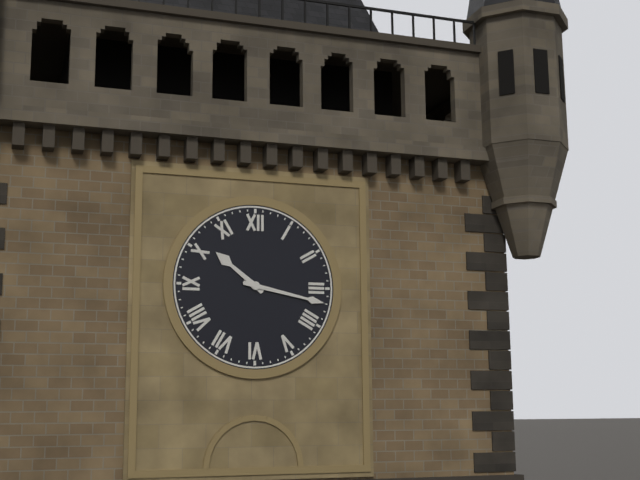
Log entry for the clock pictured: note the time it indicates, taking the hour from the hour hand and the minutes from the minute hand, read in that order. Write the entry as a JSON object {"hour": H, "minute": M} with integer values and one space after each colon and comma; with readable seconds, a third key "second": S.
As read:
{"hour": 10, "minute": 17}
